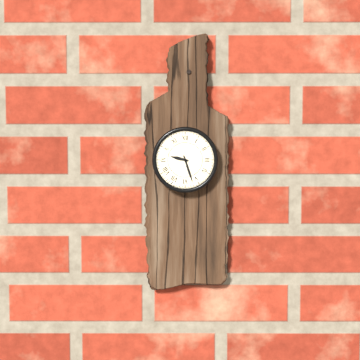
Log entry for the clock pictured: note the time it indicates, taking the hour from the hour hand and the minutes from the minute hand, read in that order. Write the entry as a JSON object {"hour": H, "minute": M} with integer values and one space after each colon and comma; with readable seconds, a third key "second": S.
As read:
{"hour": 9, "minute": 27}
